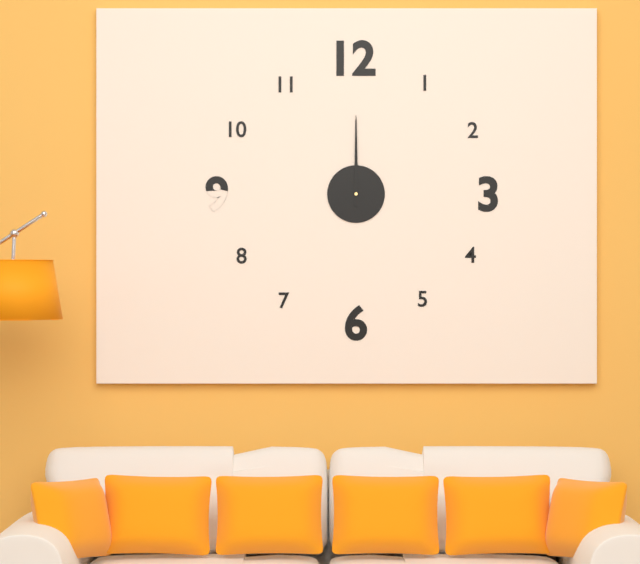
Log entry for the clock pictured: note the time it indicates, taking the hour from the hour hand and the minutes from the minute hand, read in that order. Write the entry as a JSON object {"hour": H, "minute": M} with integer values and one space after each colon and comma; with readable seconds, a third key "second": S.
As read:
{"hour": 12, "minute": 0}
